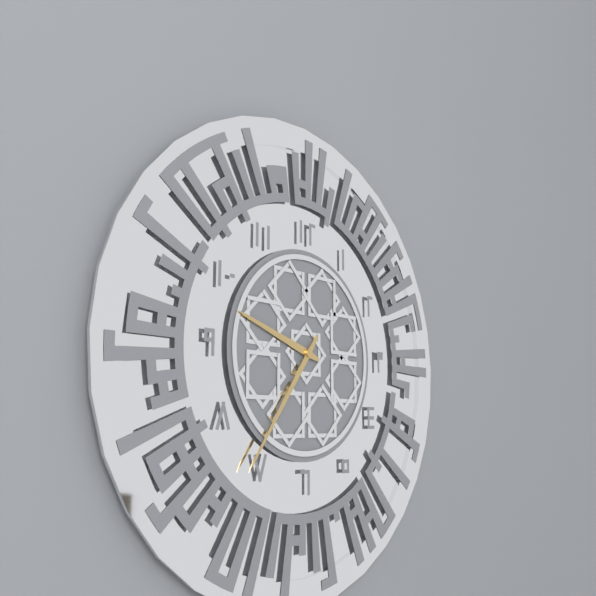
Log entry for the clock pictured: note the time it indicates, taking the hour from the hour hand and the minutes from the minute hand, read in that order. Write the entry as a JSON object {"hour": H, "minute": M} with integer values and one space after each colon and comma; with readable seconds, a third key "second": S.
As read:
{"hour": 9, "minute": 36}
